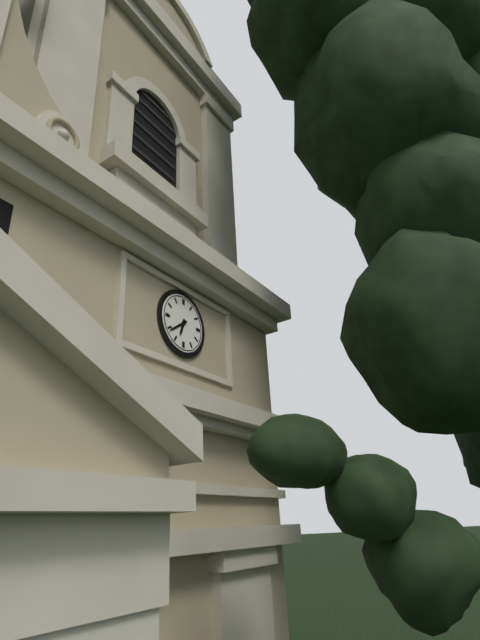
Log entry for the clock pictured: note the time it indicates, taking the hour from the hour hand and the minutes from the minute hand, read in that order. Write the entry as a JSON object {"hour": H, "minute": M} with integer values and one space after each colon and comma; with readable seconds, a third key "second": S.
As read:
{"hour": 6, "minute": 39}
